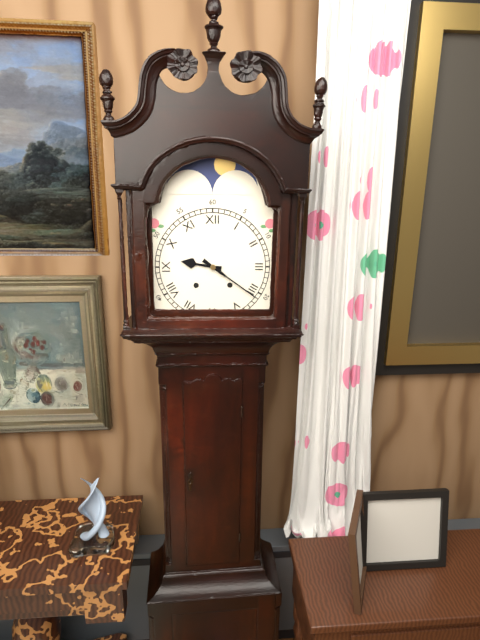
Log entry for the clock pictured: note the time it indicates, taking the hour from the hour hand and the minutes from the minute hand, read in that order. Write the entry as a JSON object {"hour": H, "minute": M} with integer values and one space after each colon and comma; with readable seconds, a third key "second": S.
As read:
{"hour": 9, "minute": 21}
